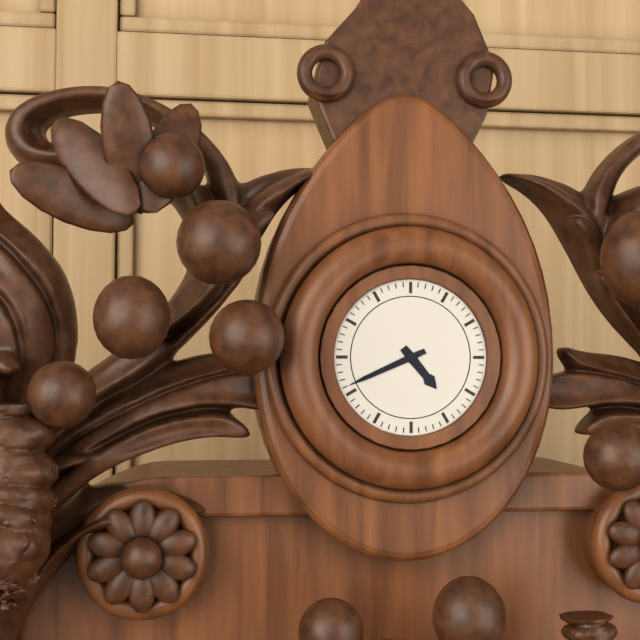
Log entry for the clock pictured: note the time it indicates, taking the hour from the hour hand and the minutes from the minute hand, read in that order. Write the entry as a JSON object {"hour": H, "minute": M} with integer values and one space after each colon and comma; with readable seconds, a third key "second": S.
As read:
{"hour": 4, "minute": 41}
